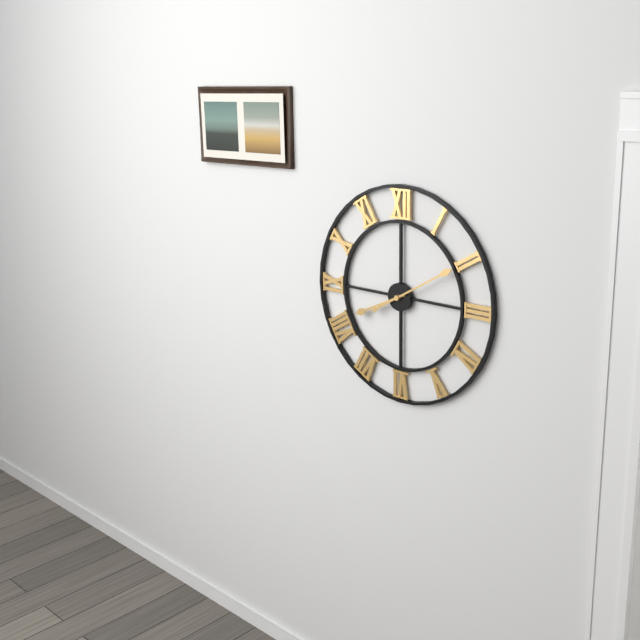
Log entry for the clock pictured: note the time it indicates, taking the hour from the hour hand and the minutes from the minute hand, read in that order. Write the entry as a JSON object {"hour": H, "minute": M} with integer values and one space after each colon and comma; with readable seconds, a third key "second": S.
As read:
{"hour": 8, "minute": 10}
